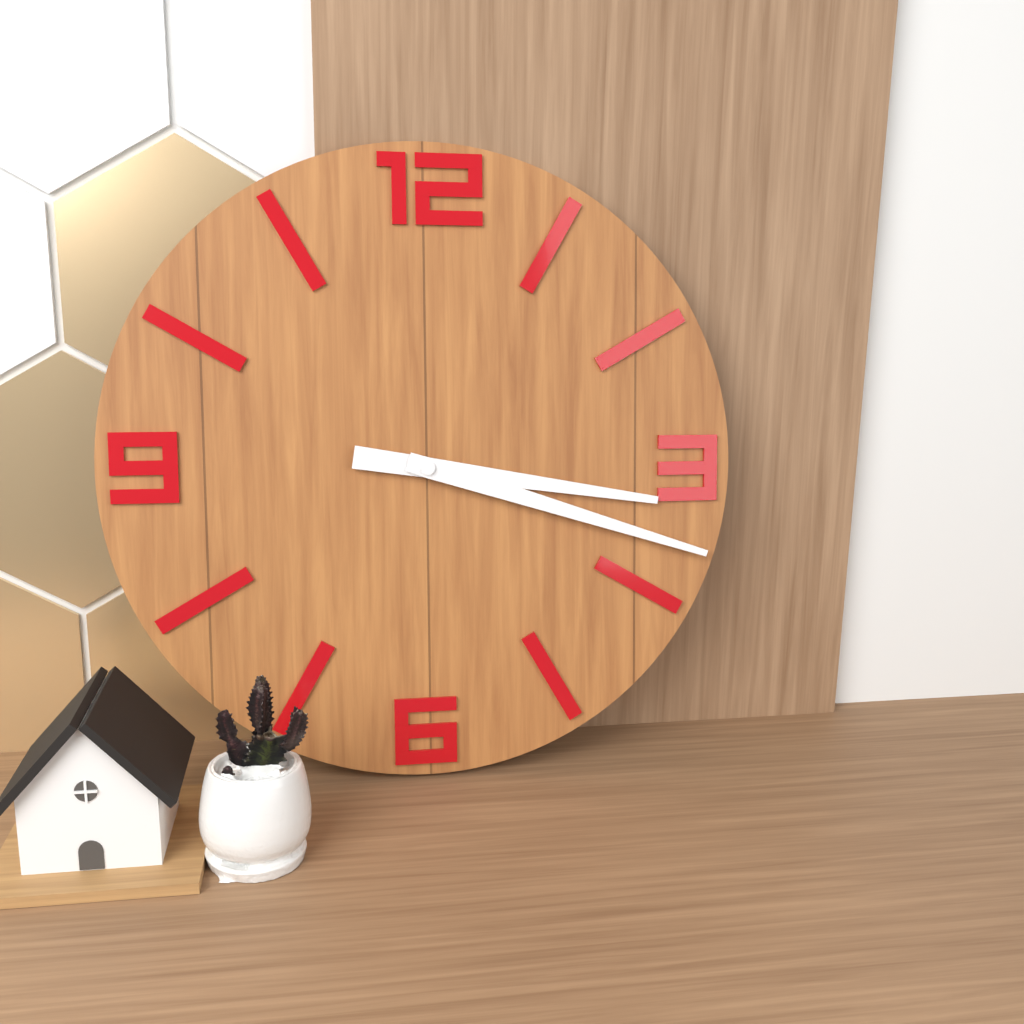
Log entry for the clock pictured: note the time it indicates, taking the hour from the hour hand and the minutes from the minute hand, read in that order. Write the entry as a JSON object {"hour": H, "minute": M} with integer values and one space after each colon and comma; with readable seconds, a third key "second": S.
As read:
{"hour": 3, "minute": 18}
